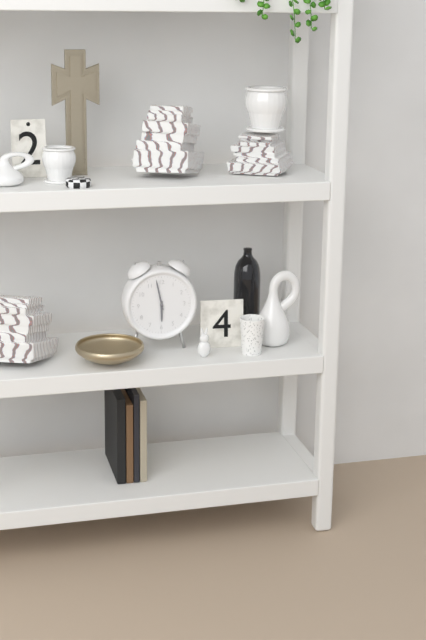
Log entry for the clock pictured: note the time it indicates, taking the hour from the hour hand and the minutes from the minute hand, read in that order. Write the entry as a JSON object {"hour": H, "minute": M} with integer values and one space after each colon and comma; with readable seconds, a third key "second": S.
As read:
{"hour": 5, "minute": 58}
